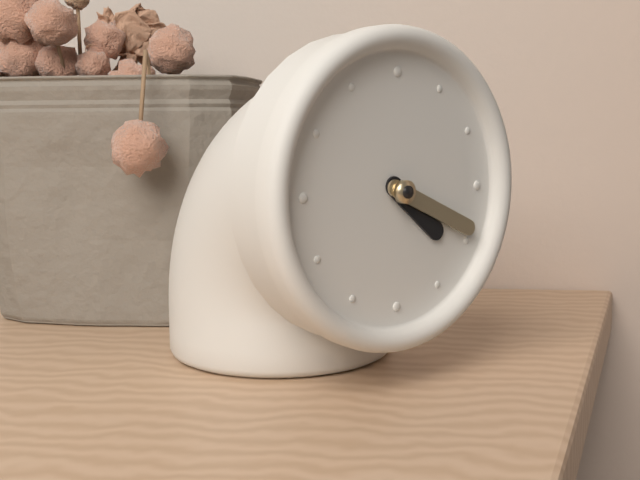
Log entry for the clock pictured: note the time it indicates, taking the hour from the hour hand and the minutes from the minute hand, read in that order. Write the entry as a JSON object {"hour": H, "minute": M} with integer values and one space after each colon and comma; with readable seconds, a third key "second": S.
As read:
{"hour": 4, "minute": 19}
